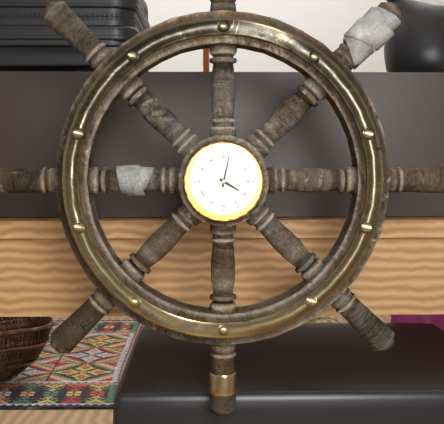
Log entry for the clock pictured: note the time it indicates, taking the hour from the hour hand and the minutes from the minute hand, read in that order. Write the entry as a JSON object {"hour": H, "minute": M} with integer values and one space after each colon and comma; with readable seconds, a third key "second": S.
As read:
{"hour": 4, "minute": 2}
